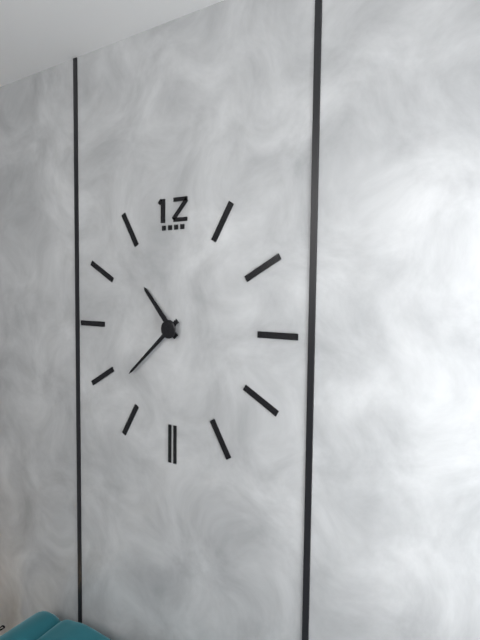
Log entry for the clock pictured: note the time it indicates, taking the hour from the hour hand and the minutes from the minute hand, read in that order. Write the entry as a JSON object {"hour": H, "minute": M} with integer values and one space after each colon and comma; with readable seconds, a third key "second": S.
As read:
{"hour": 10, "minute": 38}
